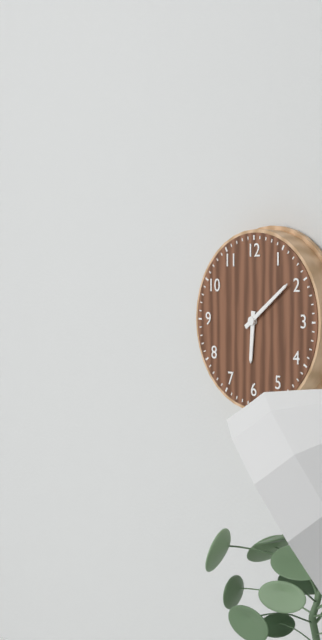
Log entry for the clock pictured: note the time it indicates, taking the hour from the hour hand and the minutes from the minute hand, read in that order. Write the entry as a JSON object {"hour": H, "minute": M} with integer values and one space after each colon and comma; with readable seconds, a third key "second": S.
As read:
{"hour": 6, "minute": 9}
